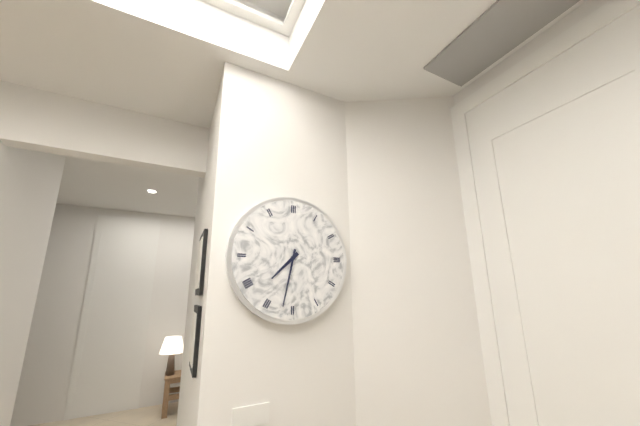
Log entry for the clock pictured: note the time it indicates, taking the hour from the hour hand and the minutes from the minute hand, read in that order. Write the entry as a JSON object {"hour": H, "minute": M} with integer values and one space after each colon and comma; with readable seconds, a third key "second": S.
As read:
{"hour": 7, "minute": 32}
